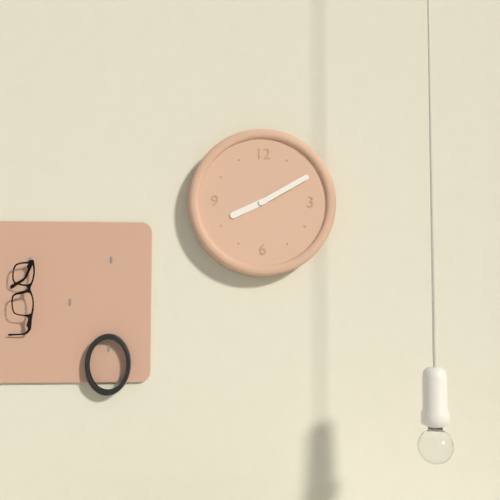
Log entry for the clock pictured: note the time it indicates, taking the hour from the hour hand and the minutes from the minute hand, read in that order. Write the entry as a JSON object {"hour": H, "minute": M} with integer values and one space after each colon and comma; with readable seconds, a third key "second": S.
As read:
{"hour": 8, "minute": 10}
